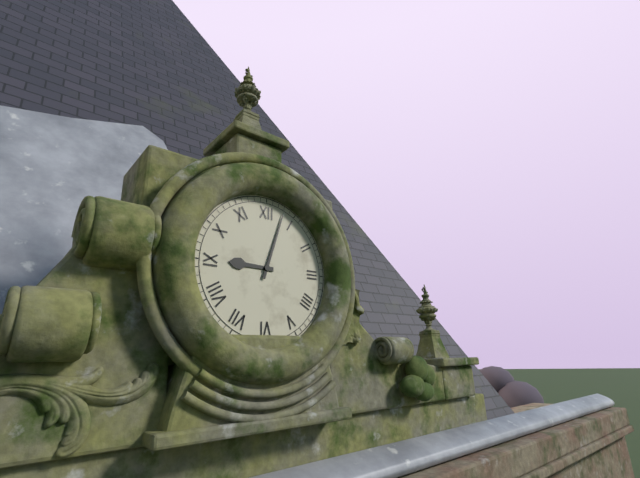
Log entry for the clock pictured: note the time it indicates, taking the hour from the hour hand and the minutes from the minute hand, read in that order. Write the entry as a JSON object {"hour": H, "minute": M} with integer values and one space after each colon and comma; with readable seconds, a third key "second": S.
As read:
{"hour": 9, "minute": 3}
